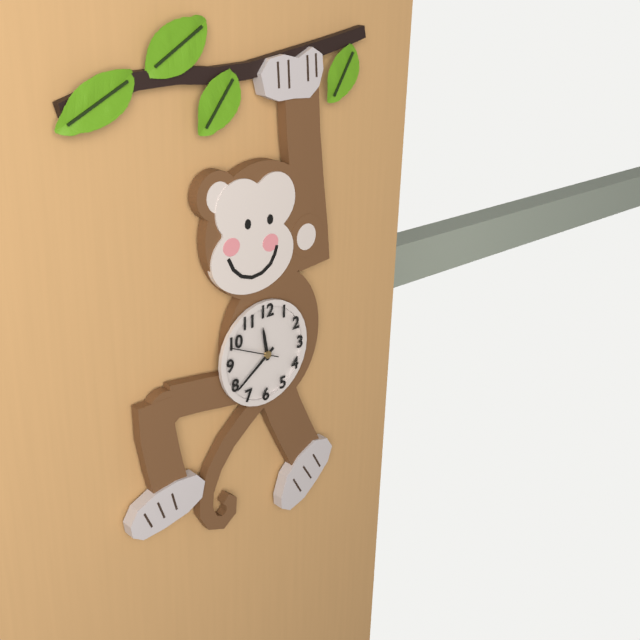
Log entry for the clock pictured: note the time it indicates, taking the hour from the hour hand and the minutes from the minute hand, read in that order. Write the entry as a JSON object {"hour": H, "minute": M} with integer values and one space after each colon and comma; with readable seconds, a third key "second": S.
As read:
{"hour": 11, "minute": 39}
